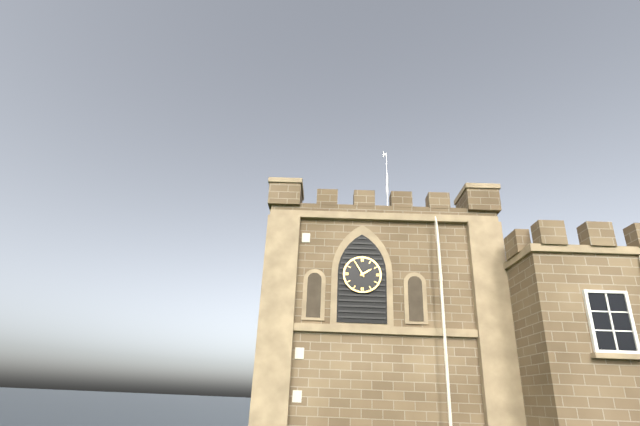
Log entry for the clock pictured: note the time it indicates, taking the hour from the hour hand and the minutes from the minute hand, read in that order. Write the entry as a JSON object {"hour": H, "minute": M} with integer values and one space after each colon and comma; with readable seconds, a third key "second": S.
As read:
{"hour": 1, "minute": 55}
